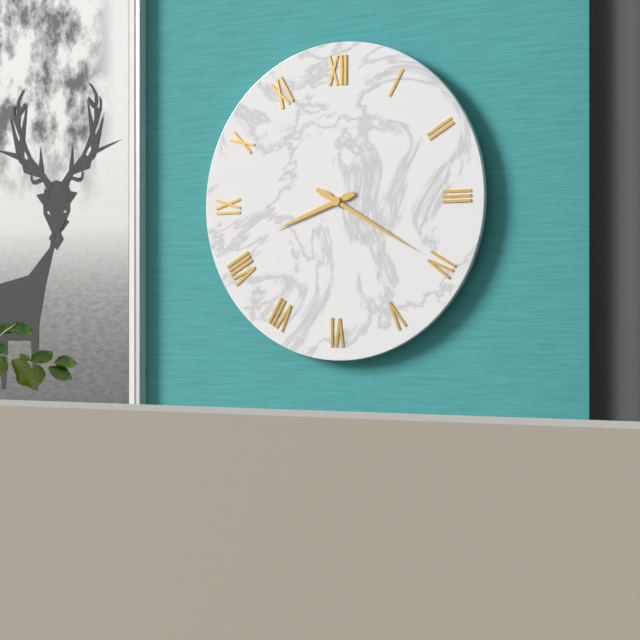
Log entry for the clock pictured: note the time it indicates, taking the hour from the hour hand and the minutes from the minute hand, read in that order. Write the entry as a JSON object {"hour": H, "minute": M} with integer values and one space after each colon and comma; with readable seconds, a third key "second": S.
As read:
{"hour": 8, "minute": 20}
